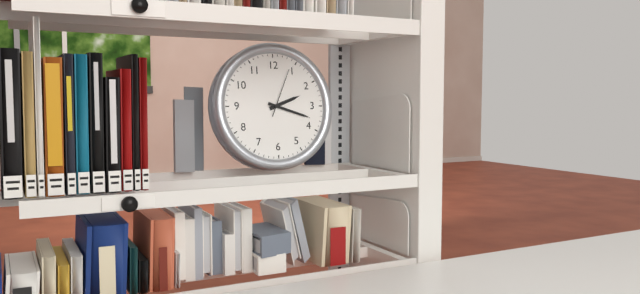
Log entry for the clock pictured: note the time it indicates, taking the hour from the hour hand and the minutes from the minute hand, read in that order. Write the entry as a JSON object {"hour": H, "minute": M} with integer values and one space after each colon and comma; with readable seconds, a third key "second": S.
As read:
{"hour": 2, "minute": 18}
